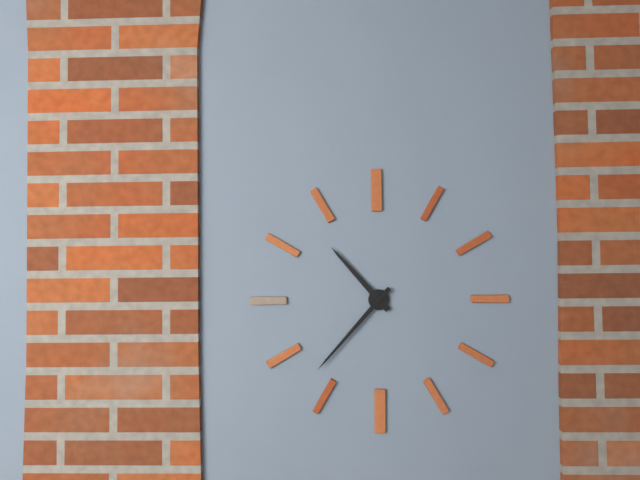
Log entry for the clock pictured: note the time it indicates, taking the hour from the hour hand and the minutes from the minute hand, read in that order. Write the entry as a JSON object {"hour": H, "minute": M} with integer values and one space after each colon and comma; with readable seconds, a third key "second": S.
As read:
{"hour": 10, "minute": 37}
